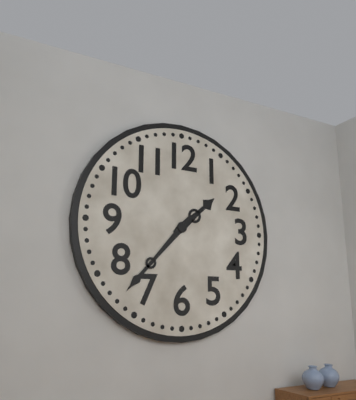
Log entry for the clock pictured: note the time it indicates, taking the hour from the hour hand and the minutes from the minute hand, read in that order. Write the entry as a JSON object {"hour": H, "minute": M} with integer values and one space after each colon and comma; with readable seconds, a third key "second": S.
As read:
{"hour": 1, "minute": 37}
